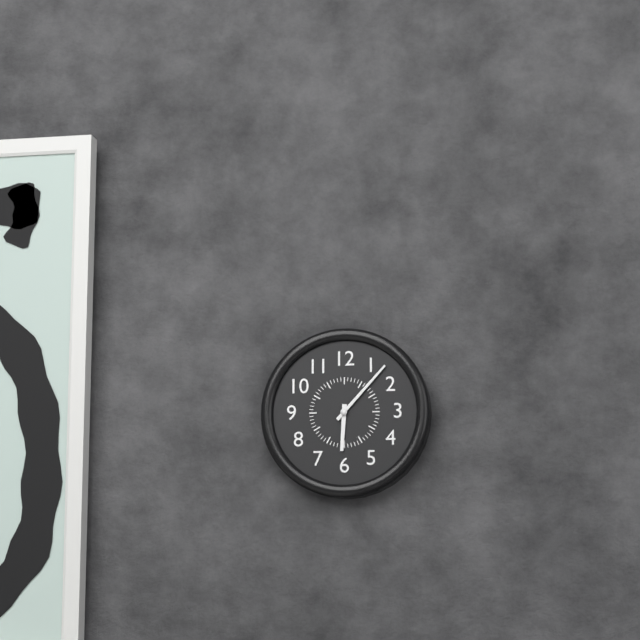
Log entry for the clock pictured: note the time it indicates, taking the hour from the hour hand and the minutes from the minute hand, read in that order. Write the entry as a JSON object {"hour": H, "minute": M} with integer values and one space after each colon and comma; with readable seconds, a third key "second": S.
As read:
{"hour": 6, "minute": 7}
